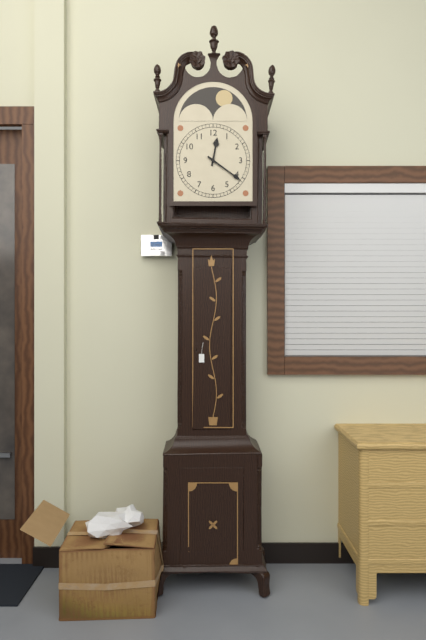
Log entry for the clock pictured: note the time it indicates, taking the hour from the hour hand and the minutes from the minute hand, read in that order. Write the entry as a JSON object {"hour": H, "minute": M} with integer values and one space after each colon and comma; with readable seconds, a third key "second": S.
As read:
{"hour": 12, "minute": 21}
